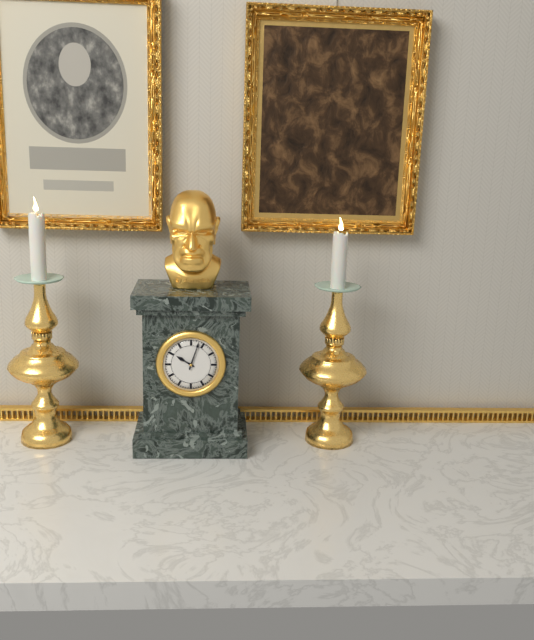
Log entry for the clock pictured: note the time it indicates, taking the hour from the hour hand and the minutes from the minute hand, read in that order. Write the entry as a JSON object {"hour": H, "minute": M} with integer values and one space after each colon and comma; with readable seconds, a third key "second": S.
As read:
{"hour": 10, "minute": 3}
